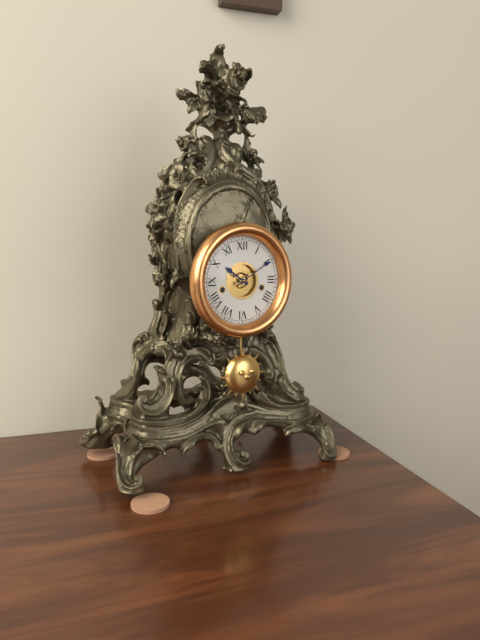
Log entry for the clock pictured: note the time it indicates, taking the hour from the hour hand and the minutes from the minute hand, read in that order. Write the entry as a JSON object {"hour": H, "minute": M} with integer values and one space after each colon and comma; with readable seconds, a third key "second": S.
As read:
{"hour": 10, "minute": 10}
